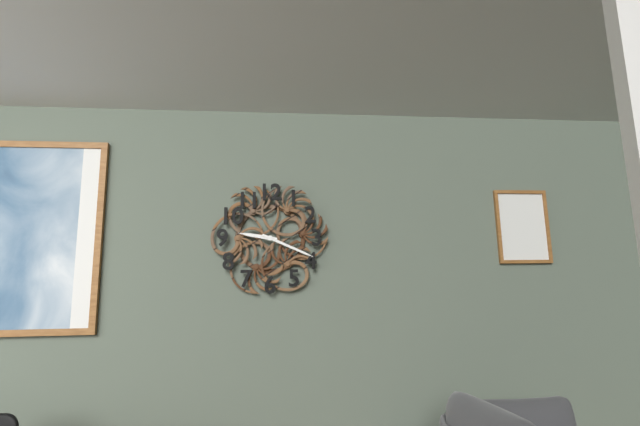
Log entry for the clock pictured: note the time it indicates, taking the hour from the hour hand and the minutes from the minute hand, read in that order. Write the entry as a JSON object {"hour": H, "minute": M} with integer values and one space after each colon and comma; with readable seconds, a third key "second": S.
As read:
{"hour": 9, "minute": 19}
